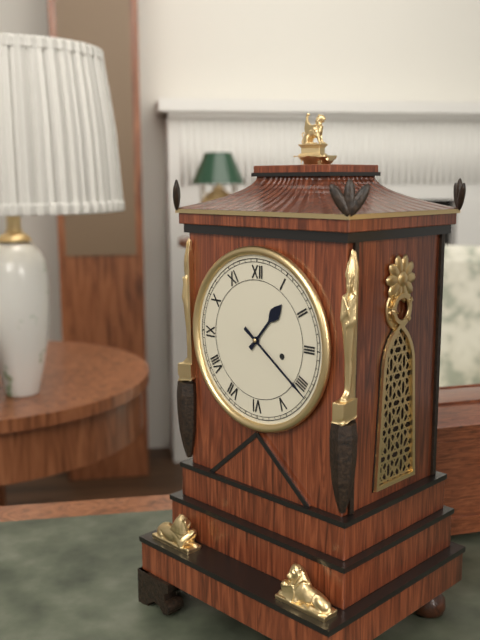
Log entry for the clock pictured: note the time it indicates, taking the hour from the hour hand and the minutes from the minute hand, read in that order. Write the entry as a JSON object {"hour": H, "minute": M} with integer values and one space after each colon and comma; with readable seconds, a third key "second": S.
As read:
{"hour": 1, "minute": 21}
